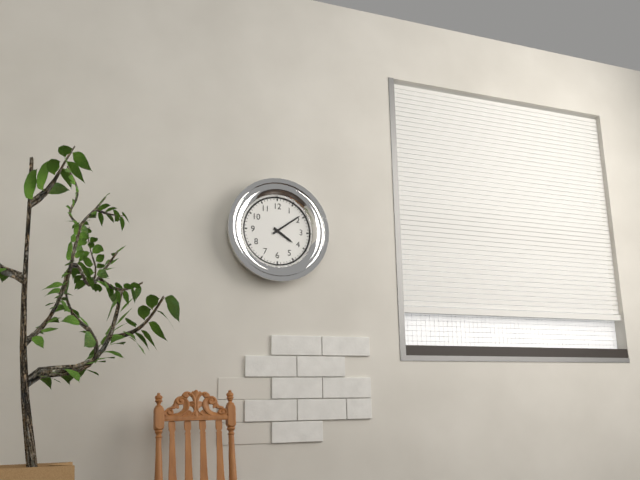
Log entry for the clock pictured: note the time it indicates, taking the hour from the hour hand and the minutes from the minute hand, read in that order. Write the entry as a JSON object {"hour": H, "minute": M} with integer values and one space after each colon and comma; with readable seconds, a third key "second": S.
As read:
{"hour": 4, "minute": 9}
